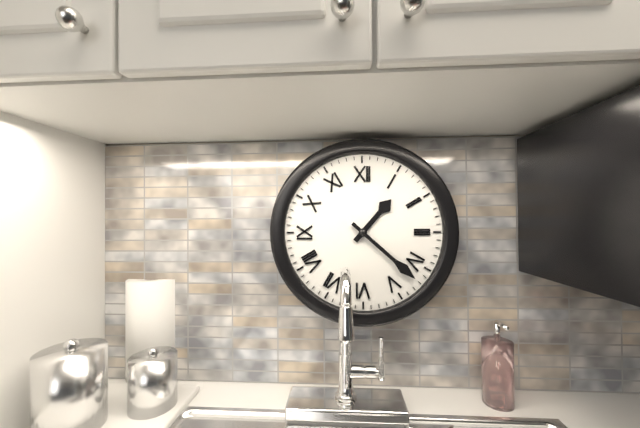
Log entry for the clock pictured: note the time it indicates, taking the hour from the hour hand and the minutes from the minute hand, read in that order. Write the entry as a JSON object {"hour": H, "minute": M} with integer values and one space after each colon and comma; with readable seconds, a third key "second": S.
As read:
{"hour": 1, "minute": 22}
